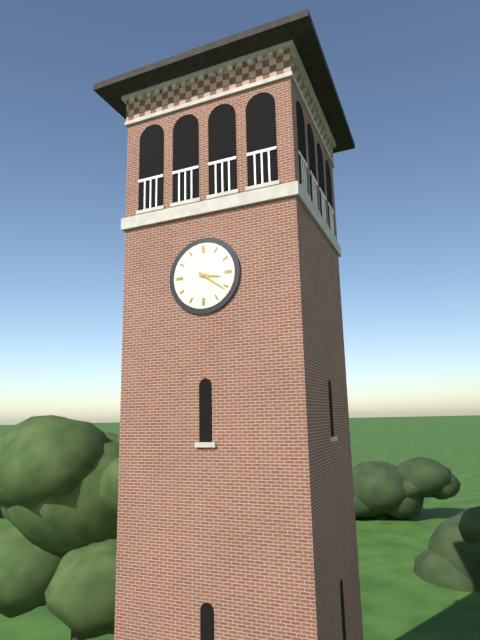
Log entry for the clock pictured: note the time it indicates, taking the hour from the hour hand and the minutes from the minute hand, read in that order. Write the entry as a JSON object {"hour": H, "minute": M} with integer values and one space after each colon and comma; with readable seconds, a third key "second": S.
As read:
{"hour": 3, "minute": 21}
